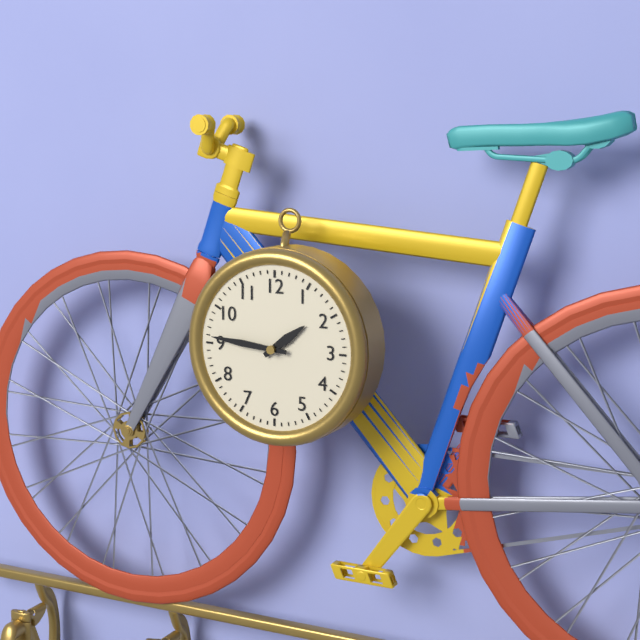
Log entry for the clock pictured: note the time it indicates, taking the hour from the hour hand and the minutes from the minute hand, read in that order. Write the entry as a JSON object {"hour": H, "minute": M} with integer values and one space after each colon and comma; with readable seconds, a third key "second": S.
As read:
{"hour": 1, "minute": 46}
